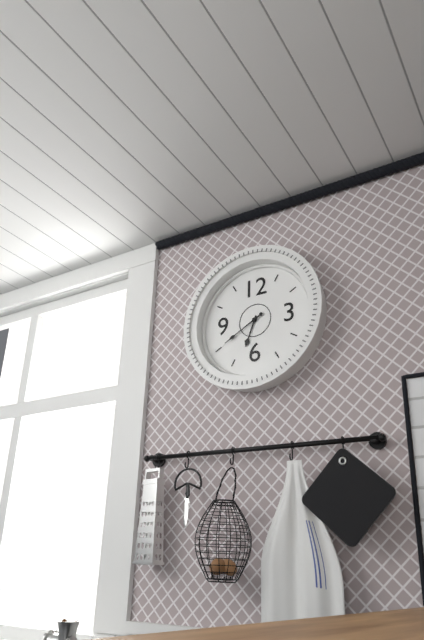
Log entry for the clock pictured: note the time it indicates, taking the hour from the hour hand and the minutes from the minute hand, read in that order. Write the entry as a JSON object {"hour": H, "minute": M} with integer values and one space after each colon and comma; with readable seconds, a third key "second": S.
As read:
{"hour": 6, "minute": 40}
